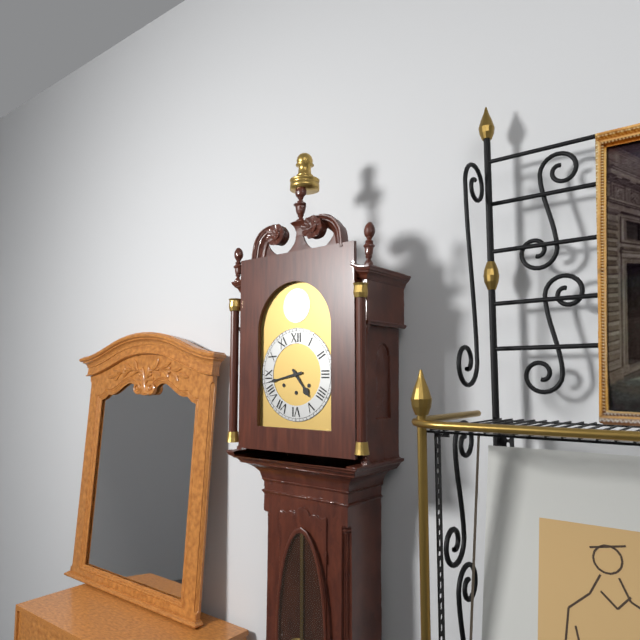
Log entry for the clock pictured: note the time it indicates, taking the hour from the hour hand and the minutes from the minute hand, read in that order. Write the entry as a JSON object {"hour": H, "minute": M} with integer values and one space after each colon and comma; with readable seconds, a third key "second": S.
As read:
{"hour": 4, "minute": 43}
